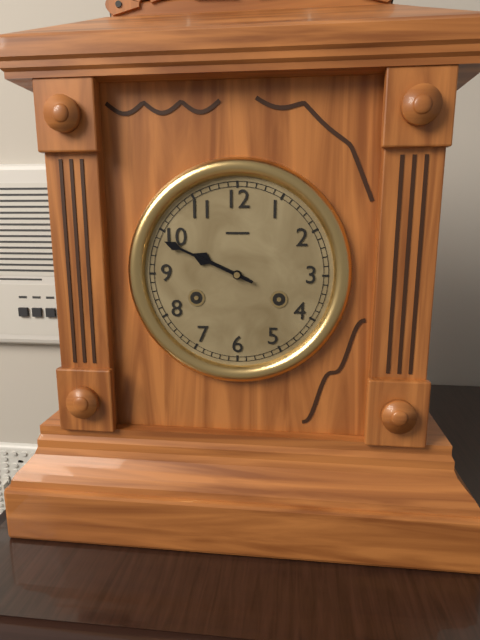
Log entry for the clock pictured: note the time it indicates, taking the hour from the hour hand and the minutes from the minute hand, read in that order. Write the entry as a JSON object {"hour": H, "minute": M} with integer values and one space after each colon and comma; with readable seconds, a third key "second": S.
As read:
{"hour": 9, "minute": 49}
